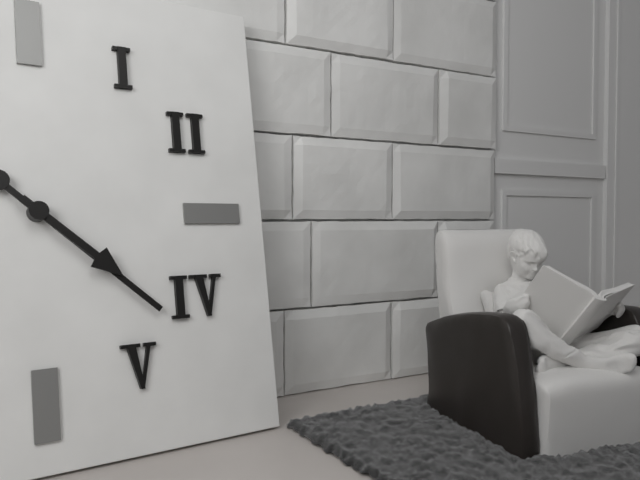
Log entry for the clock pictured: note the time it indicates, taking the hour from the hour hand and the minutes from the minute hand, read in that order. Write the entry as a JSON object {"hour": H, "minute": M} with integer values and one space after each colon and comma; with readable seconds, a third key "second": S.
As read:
{"hour": 4, "minute": 22}
